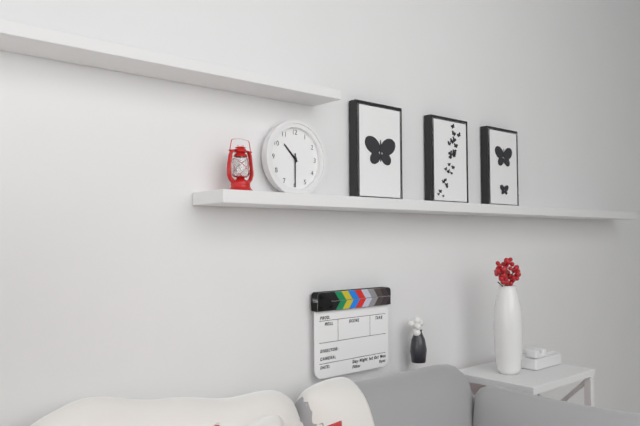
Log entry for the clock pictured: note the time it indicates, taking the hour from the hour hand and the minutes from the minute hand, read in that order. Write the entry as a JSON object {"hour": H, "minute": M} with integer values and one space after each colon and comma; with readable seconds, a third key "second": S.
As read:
{"hour": 10, "minute": 30}
